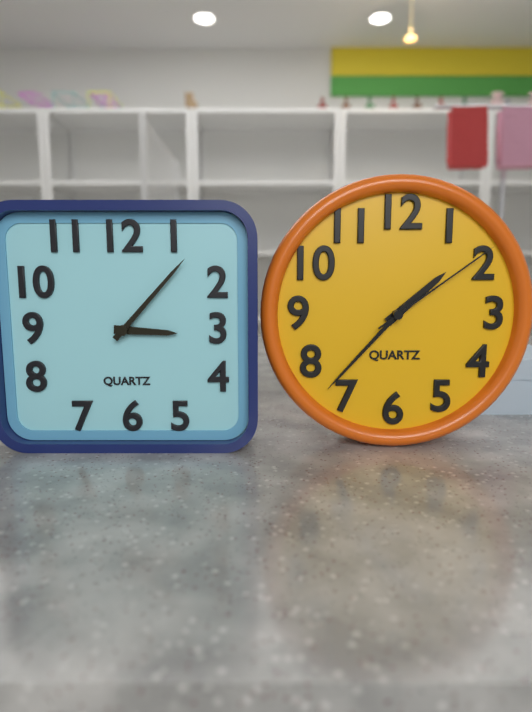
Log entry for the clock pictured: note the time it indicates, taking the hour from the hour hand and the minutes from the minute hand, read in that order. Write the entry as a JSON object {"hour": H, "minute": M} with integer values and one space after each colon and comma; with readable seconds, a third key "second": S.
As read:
{"hour": 3, "minute": 7}
